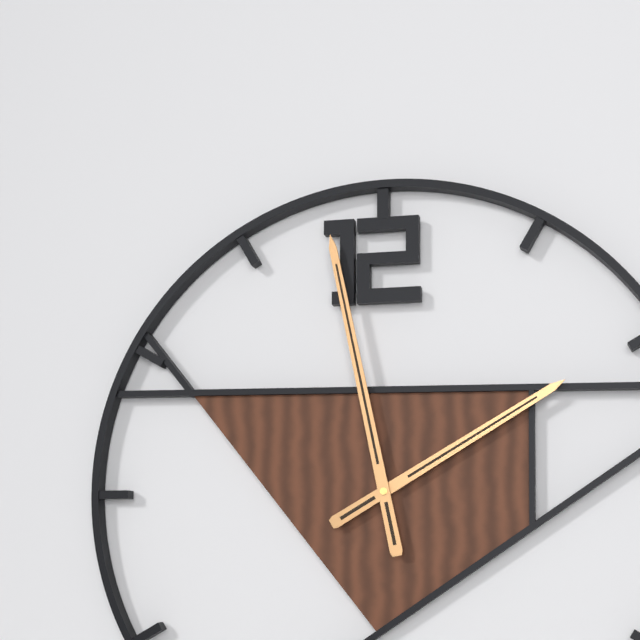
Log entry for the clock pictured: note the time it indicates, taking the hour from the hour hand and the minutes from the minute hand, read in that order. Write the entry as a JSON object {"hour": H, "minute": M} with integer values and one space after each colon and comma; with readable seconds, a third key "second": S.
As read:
{"hour": 1, "minute": 58}
